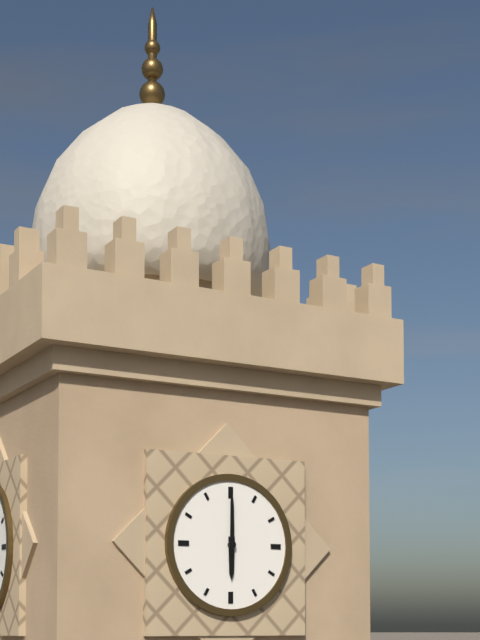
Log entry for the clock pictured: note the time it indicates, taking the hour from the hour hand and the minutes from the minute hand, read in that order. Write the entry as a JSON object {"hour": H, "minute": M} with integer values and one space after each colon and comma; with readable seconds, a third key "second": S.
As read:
{"hour": 6, "minute": 0}
